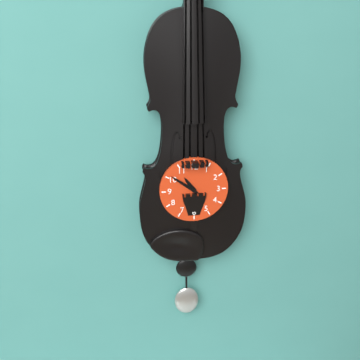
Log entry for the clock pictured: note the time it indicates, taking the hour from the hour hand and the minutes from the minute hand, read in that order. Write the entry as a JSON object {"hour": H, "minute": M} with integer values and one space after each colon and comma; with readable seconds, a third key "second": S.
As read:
{"hour": 10, "minute": 51}
